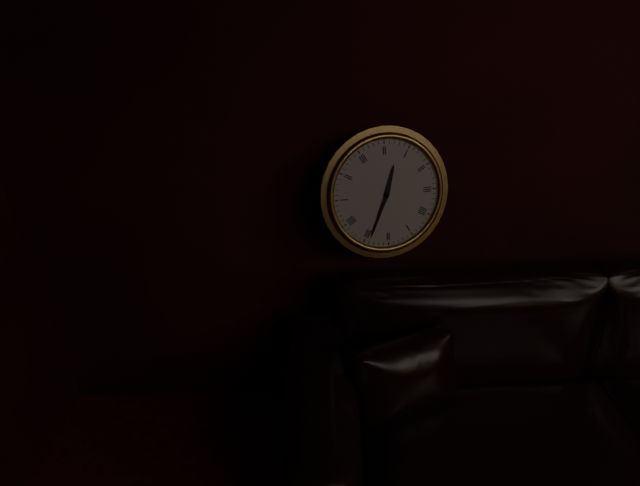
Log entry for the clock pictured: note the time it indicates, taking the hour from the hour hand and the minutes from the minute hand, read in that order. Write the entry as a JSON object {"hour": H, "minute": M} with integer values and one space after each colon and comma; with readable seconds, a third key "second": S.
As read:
{"hour": 12, "minute": 34}
